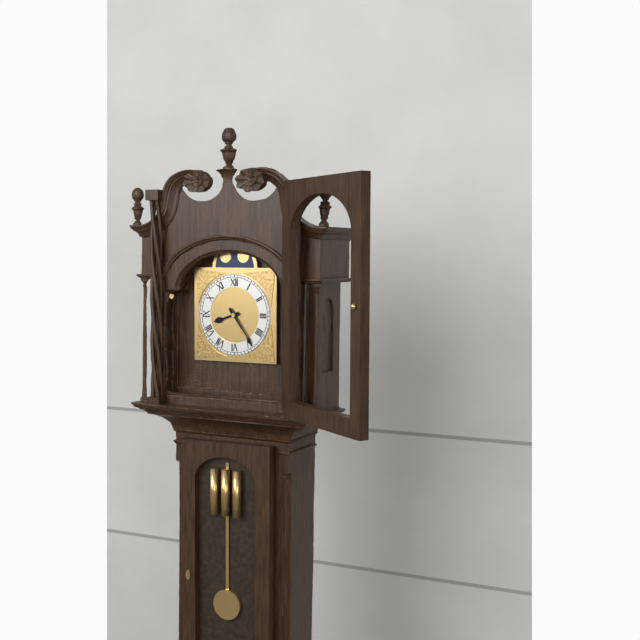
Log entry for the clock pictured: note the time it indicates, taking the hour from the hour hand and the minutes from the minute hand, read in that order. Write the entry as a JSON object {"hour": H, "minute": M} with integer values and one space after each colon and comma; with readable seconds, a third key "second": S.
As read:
{"hour": 8, "minute": 24}
